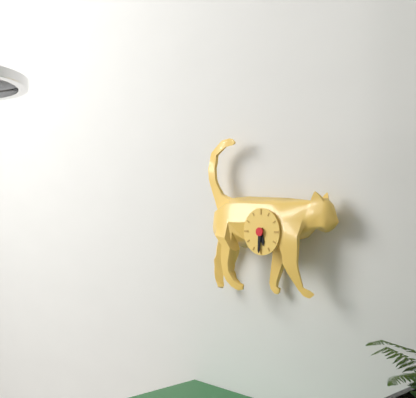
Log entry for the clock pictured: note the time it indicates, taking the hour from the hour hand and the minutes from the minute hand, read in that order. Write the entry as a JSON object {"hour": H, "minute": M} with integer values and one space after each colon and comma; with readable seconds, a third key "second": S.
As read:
{"hour": 5, "minute": 31}
